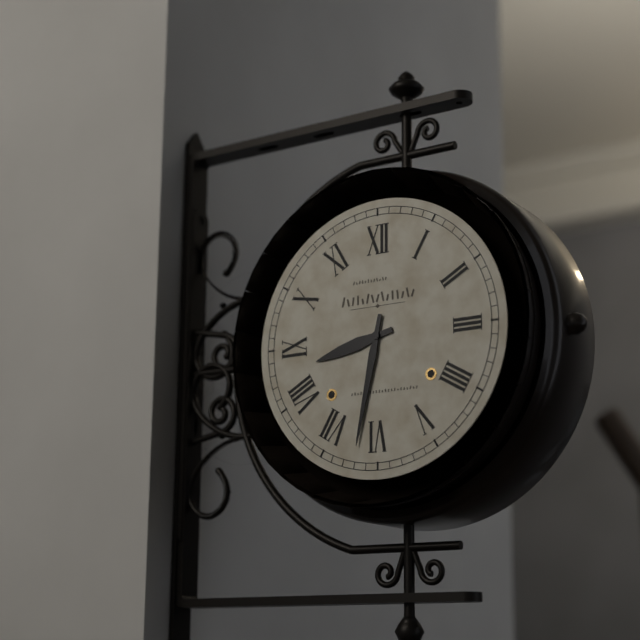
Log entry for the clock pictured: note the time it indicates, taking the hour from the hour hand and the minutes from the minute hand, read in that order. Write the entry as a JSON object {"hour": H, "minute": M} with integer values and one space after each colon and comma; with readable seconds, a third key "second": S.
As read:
{"hour": 8, "minute": 32}
